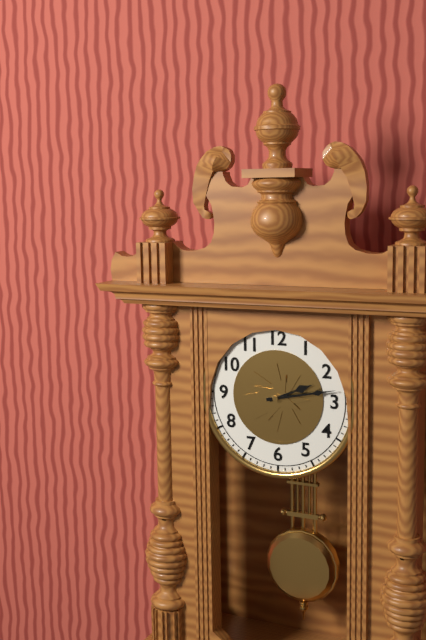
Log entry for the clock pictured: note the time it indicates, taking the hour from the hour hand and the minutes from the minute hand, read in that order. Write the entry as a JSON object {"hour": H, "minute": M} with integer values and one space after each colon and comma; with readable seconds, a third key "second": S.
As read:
{"hour": 2, "minute": 13}
